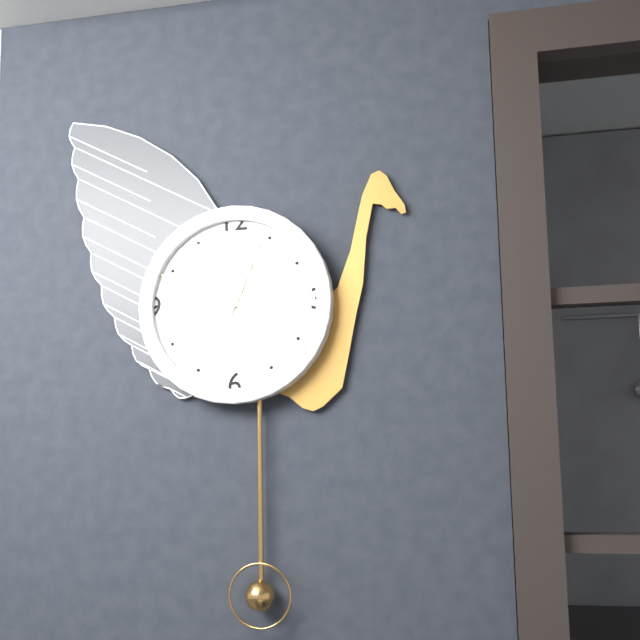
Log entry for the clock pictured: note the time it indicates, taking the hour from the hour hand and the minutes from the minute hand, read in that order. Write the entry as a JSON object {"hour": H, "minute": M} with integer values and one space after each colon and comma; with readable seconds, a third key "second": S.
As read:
{"hour": 12, "minute": 49}
